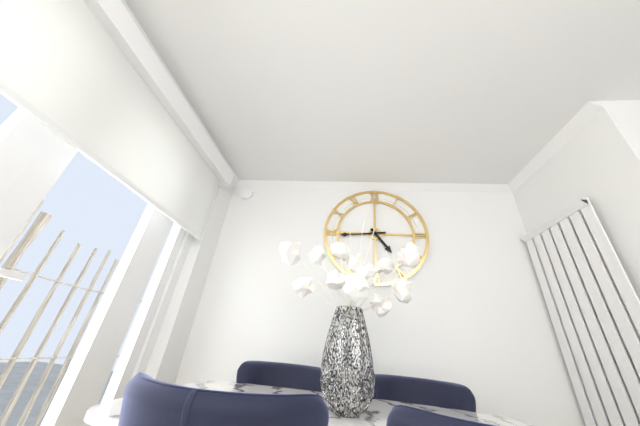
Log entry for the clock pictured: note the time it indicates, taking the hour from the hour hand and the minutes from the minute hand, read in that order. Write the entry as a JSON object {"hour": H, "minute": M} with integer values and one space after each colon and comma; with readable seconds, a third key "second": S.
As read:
{"hour": 4, "minute": 44}
